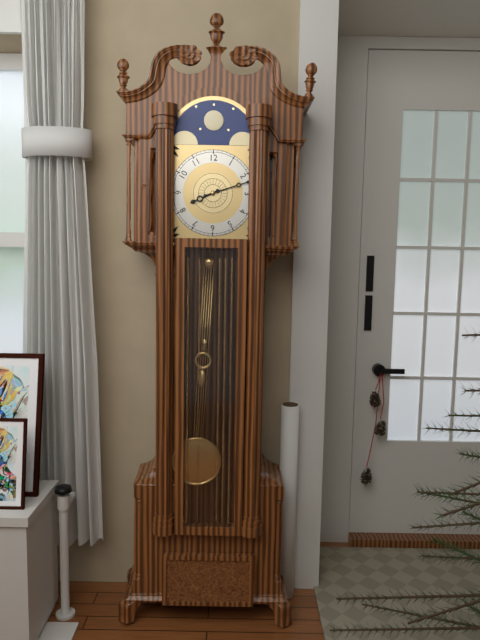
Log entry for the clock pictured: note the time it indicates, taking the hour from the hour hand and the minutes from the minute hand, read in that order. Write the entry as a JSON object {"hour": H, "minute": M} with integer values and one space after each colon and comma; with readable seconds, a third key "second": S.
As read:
{"hour": 8, "minute": 12}
